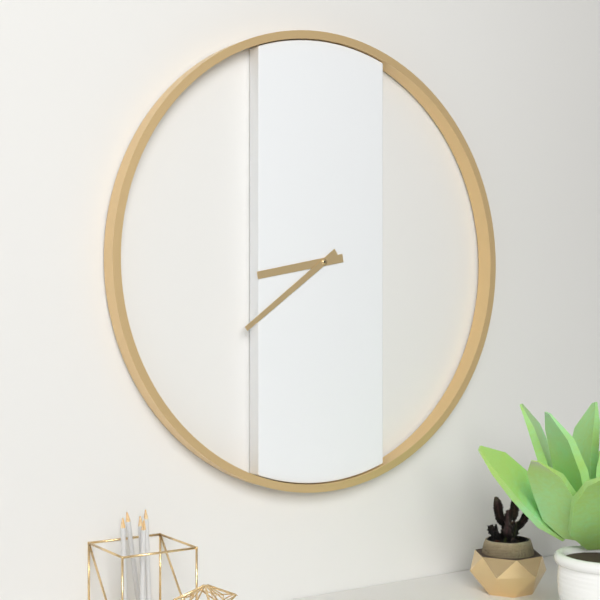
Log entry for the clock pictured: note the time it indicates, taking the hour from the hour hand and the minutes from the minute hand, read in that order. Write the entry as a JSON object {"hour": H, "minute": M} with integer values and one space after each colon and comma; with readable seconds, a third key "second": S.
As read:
{"hour": 8, "minute": 39}
